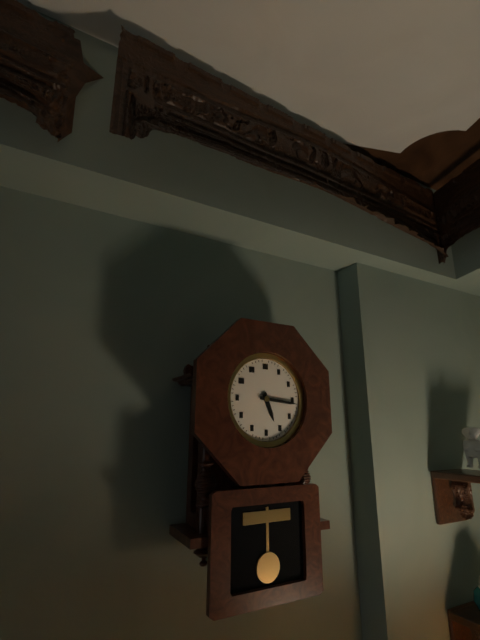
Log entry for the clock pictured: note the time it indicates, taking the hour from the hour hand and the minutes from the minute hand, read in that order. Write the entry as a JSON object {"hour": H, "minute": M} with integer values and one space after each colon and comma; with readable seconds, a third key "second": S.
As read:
{"hour": 5, "minute": 16}
